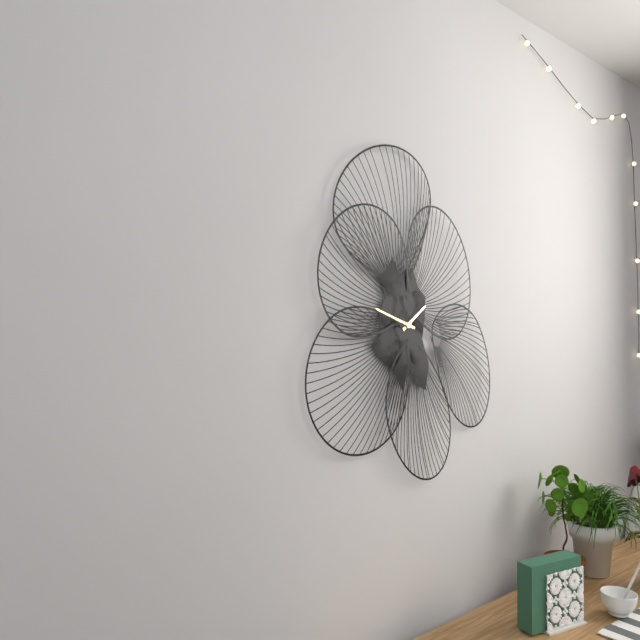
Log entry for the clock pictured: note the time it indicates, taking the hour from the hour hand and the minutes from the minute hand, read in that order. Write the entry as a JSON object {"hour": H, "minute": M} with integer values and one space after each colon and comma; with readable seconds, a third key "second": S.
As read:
{"hour": 1, "minute": 48}
